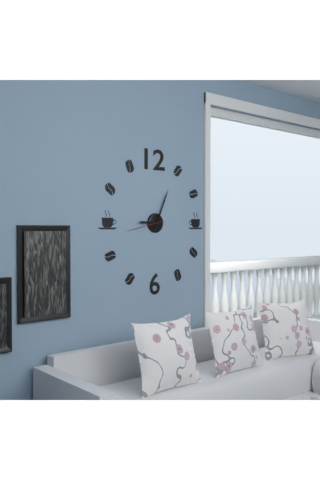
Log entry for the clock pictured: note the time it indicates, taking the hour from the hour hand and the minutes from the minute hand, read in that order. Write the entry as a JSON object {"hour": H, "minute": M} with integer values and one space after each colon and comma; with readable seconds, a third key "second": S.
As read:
{"hour": 9, "minute": 4}
